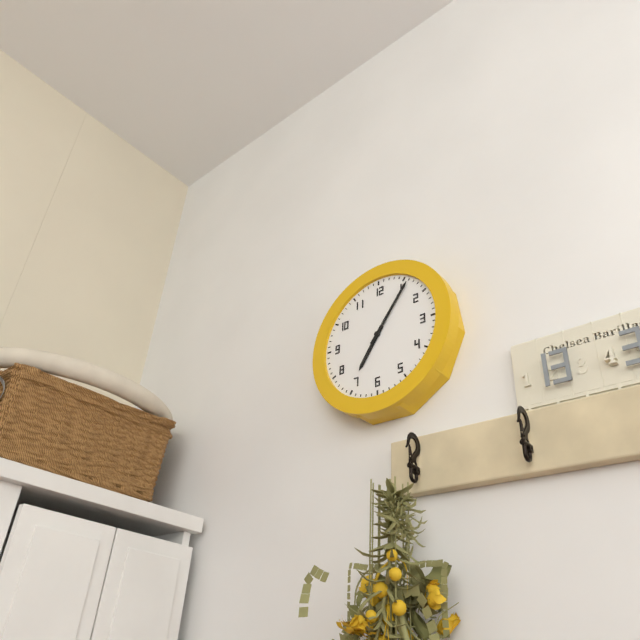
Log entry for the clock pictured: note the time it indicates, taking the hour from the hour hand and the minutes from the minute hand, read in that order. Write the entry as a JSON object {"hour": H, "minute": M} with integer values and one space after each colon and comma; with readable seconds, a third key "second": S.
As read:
{"hour": 7, "minute": 6}
